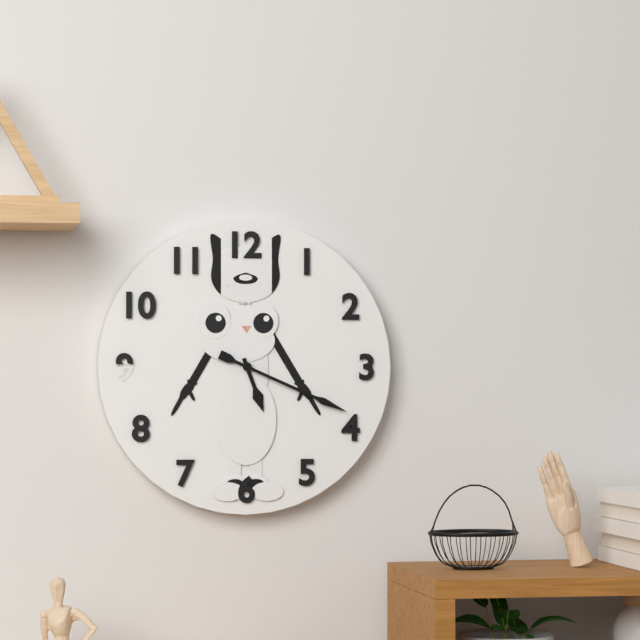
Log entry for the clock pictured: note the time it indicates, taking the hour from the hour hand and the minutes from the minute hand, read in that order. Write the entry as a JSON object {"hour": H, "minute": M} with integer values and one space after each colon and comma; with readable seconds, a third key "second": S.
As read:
{"hour": 5, "minute": 19}
